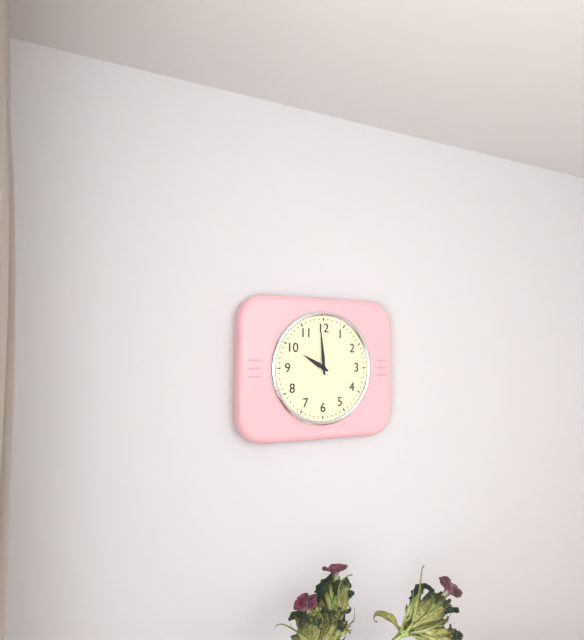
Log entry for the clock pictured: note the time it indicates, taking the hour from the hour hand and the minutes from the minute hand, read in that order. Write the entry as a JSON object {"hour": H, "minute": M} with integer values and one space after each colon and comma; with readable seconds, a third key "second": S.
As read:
{"hour": 9, "minute": 59}
